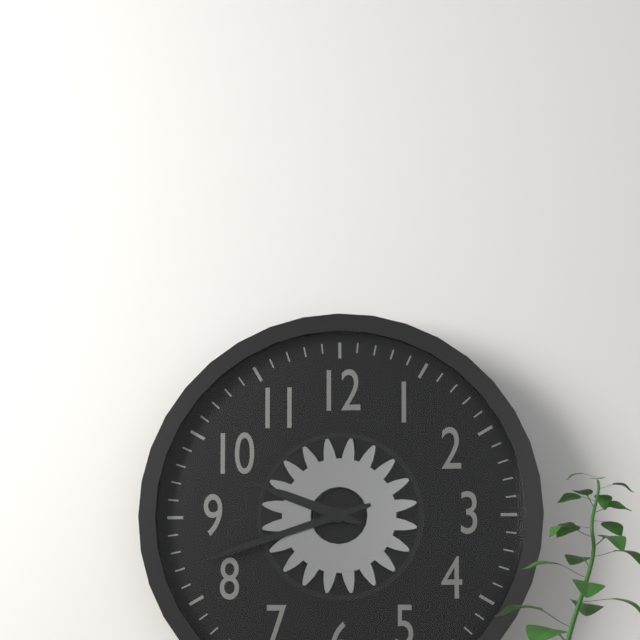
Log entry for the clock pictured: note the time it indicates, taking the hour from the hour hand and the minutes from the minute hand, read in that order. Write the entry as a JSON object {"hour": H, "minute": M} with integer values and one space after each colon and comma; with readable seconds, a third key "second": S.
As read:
{"hour": 9, "minute": 42}
